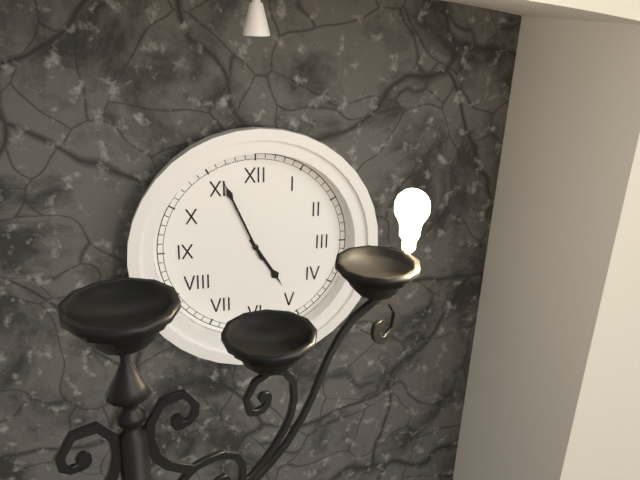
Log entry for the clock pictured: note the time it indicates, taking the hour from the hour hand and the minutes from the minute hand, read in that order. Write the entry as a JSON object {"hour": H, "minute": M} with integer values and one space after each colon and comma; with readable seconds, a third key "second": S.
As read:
{"hour": 4, "minute": 56}
